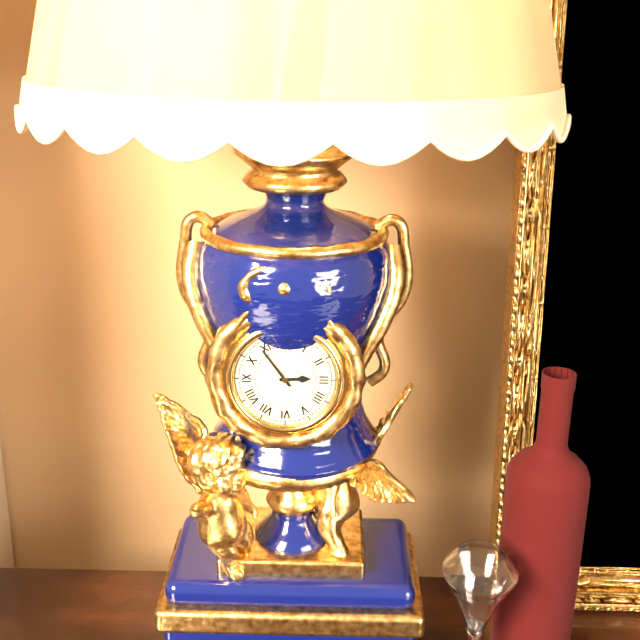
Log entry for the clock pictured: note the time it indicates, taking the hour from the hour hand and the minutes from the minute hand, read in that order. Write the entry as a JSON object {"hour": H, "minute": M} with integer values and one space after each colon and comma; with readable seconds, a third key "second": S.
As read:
{"hour": 2, "minute": 54}
